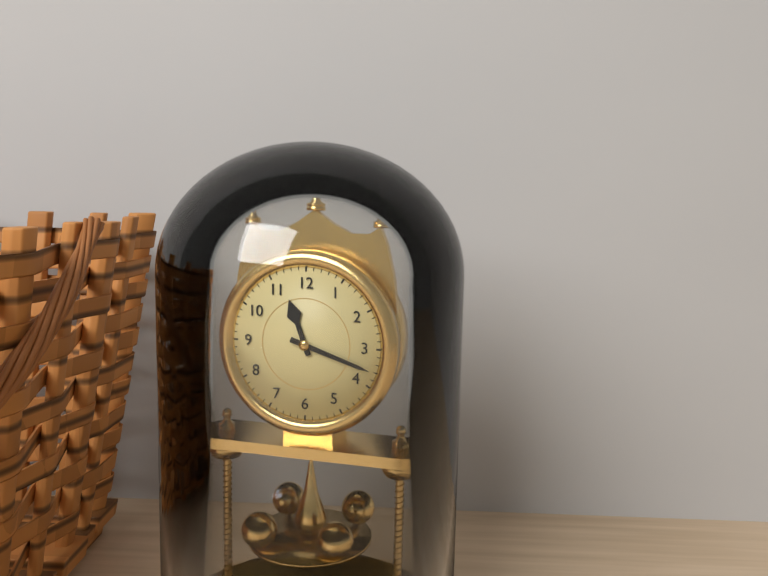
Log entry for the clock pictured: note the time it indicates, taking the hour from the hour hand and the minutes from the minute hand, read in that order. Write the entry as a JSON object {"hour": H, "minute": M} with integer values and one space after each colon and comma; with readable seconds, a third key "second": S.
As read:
{"hour": 11, "minute": 18}
